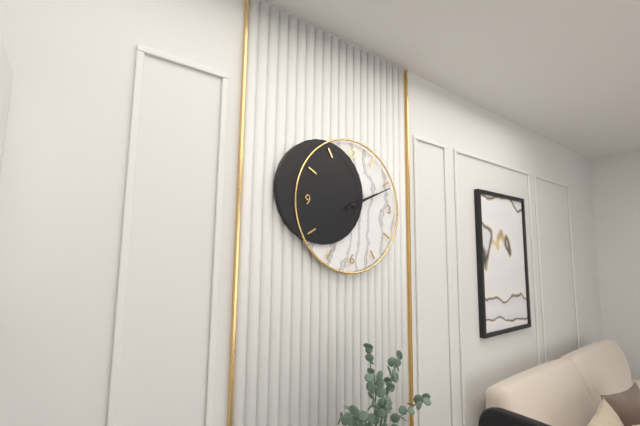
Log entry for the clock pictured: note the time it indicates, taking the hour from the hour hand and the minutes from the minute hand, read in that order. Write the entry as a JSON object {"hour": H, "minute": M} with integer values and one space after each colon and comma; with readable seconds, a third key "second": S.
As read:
{"hour": 2, "minute": 11}
